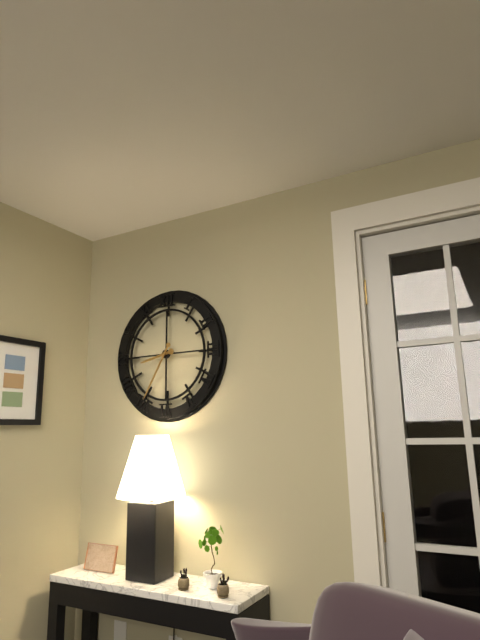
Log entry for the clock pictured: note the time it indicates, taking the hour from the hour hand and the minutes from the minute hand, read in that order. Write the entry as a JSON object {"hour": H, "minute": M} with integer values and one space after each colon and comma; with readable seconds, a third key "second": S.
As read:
{"hour": 8, "minute": 35}
